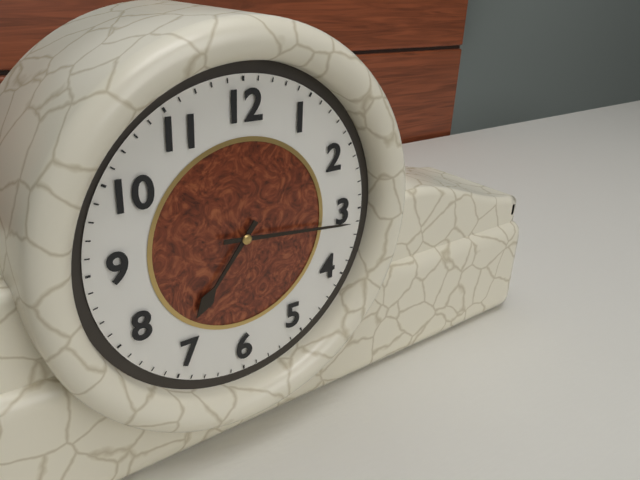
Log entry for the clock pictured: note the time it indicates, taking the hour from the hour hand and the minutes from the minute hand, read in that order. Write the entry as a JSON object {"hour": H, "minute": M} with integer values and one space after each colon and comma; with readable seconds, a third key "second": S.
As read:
{"hour": 7, "minute": 16}
